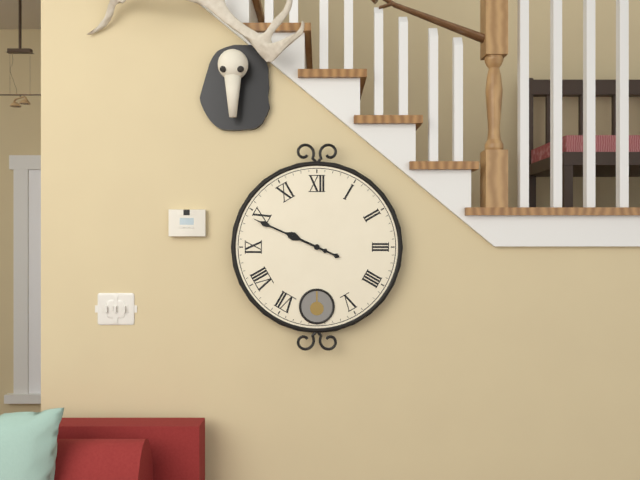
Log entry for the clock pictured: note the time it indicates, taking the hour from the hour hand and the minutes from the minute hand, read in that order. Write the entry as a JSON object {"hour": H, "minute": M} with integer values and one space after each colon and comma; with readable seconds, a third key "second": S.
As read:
{"hour": 9, "minute": 49}
